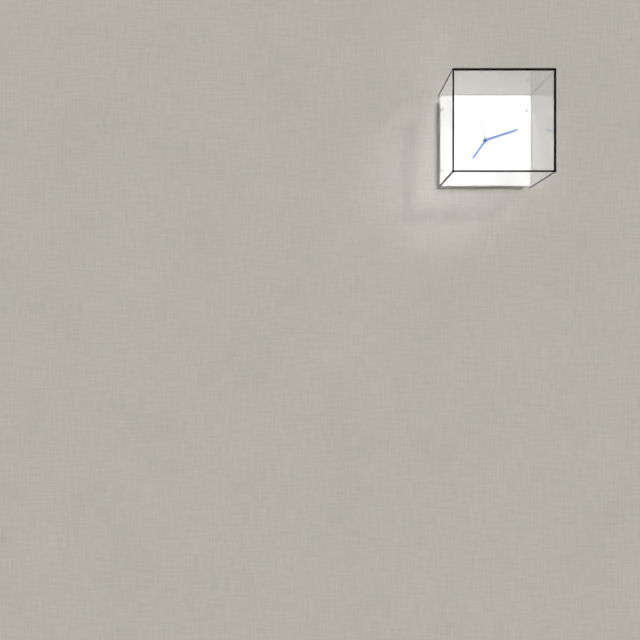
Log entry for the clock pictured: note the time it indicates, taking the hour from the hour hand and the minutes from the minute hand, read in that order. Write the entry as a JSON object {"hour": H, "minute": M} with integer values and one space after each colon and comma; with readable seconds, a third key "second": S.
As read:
{"hour": 7, "minute": 12}
